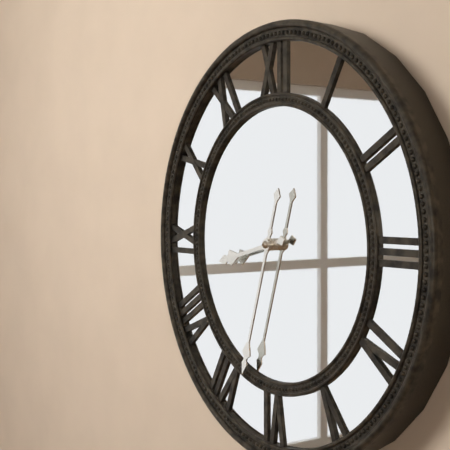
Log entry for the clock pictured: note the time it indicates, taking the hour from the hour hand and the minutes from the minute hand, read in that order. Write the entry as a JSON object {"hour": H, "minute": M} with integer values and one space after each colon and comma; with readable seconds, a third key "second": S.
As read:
{"hour": 8, "minute": 33}
